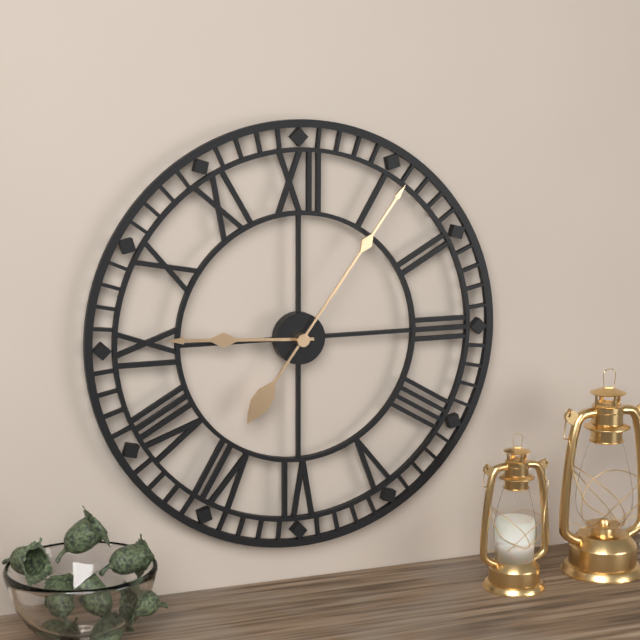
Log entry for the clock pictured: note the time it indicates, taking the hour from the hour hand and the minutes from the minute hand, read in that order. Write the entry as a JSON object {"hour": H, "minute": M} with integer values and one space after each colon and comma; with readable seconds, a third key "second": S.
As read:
{"hour": 9, "minute": 6}
